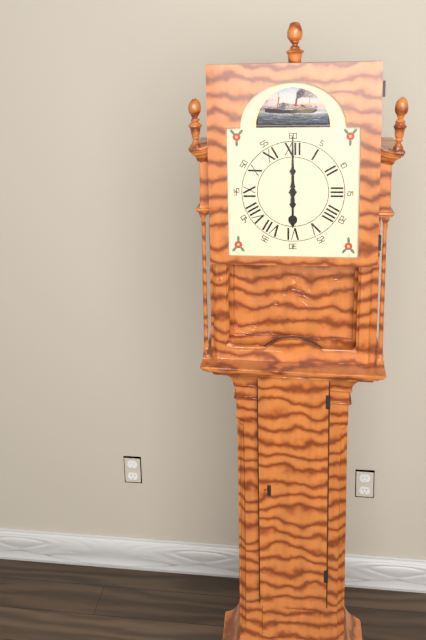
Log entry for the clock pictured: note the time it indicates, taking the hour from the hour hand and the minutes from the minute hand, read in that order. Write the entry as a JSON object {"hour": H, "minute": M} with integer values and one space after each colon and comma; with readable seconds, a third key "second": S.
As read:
{"hour": 6, "minute": 0}
